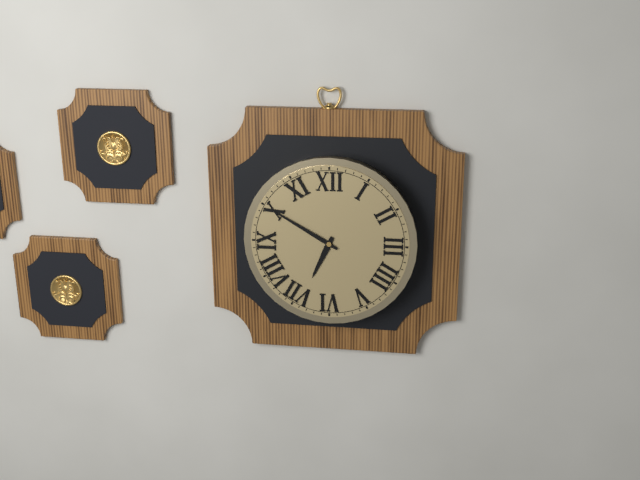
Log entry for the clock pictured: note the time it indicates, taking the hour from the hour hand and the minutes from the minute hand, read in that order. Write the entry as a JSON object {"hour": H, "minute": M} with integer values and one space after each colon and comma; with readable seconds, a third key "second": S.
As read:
{"hour": 6, "minute": 50}
